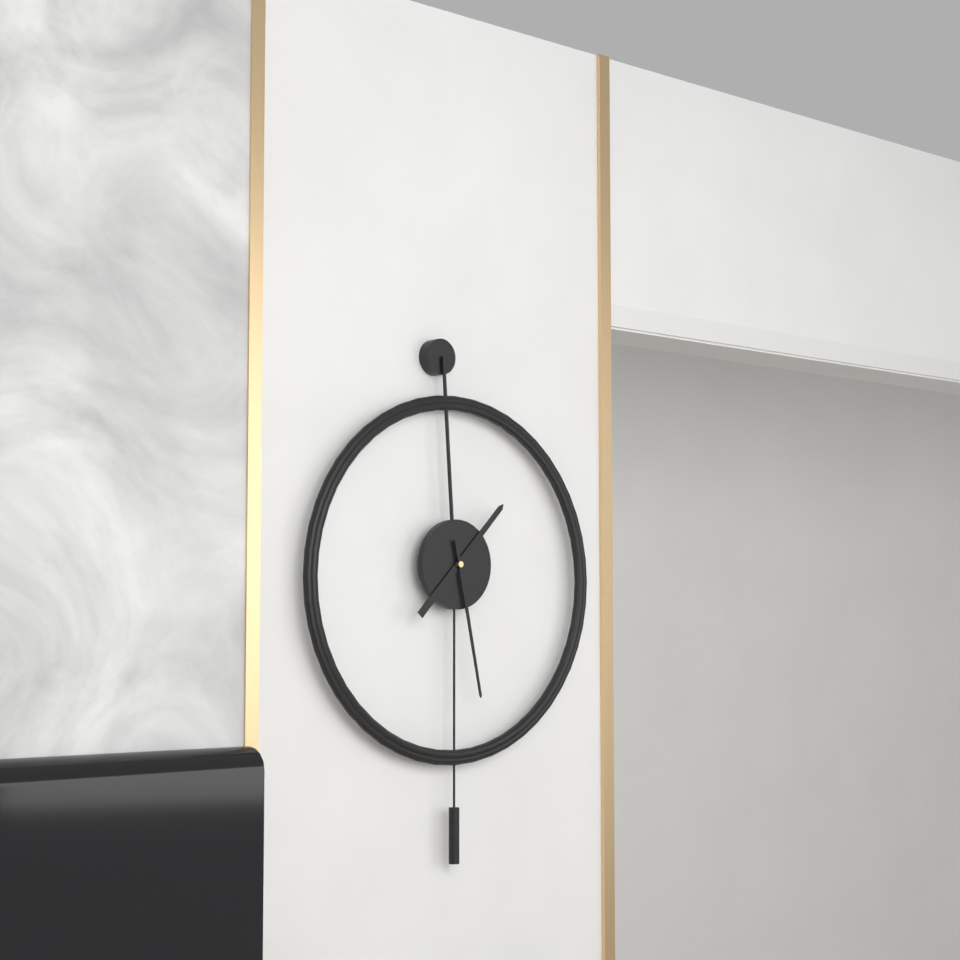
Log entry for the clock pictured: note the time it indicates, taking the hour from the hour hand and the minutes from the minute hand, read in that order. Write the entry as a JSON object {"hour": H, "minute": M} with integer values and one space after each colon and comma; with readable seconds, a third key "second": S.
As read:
{"hour": 1, "minute": 28}
